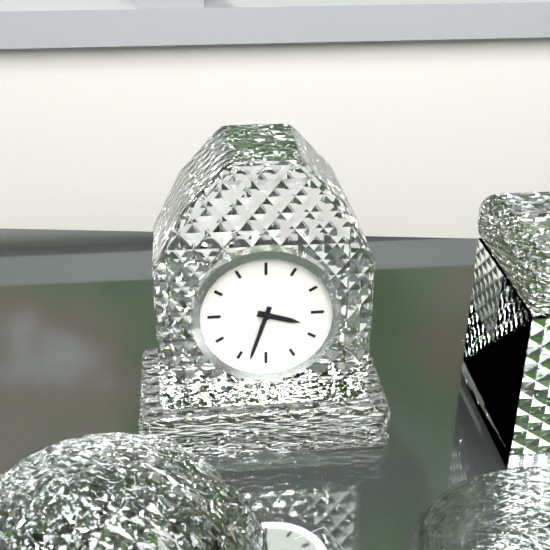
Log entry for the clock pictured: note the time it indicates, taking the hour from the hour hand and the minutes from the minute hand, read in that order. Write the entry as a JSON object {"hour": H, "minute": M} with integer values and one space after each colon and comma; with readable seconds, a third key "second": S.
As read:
{"hour": 3, "minute": 33}
